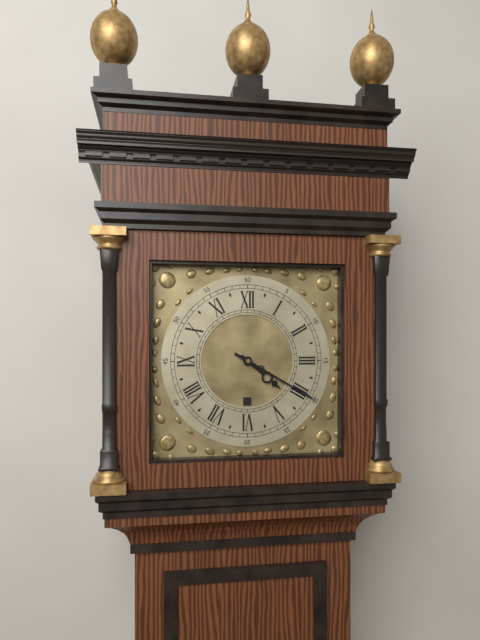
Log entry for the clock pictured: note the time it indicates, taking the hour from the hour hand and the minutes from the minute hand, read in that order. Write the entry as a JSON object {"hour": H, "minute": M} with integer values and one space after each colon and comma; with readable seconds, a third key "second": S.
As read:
{"hour": 4, "minute": 20}
